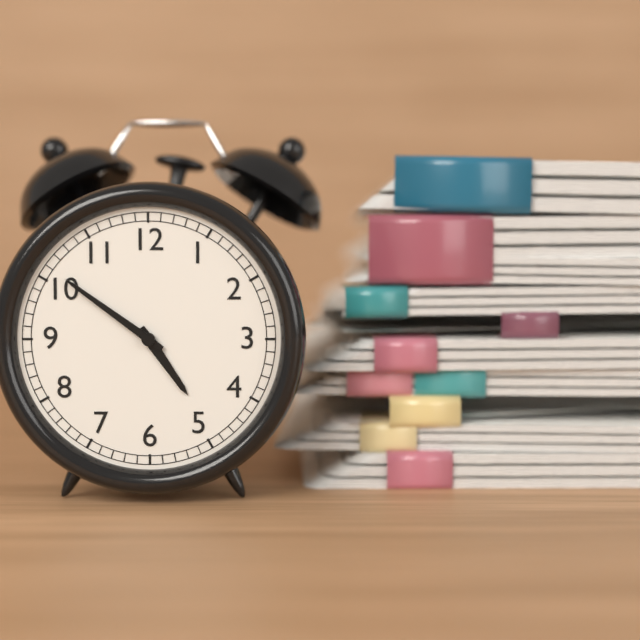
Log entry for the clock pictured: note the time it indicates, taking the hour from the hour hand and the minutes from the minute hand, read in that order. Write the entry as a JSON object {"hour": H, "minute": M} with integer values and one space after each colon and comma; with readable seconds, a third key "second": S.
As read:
{"hour": 4, "minute": 51}
